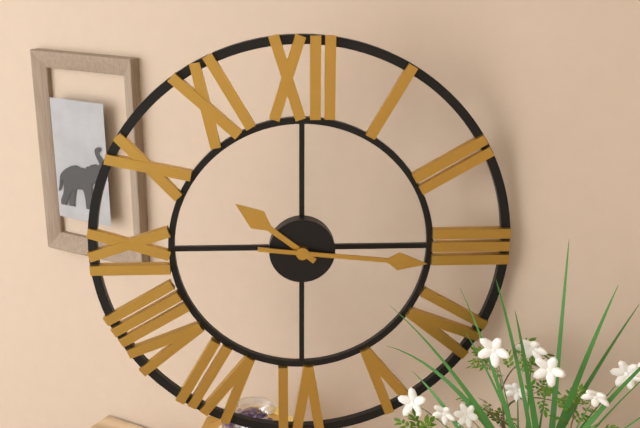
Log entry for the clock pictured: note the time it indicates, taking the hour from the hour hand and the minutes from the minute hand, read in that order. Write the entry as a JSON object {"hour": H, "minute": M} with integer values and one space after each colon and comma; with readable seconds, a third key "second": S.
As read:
{"hour": 10, "minute": 16}
